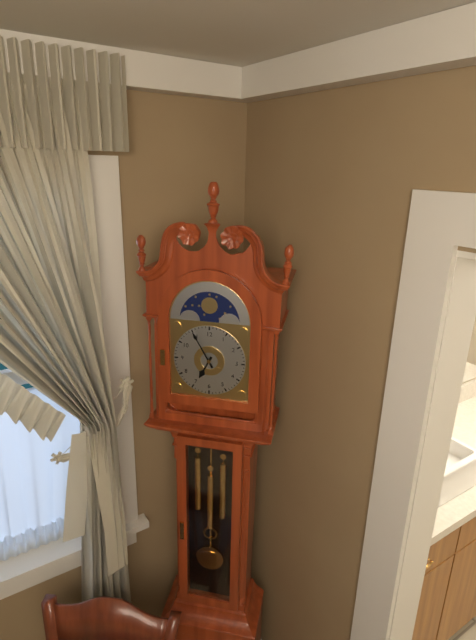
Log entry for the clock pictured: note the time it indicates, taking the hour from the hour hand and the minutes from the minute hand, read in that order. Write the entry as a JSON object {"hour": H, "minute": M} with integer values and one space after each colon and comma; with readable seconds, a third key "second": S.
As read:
{"hour": 6, "minute": 55}
